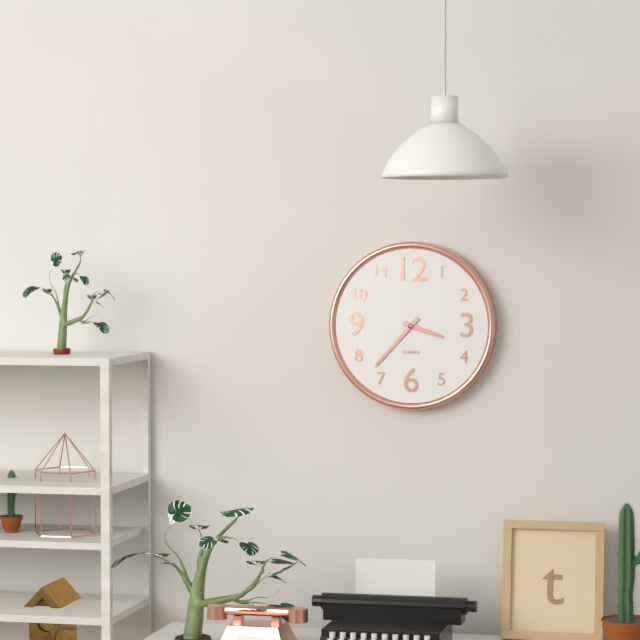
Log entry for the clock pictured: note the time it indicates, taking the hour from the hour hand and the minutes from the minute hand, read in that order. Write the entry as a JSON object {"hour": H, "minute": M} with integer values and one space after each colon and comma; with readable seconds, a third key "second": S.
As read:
{"hour": 3, "minute": 37}
